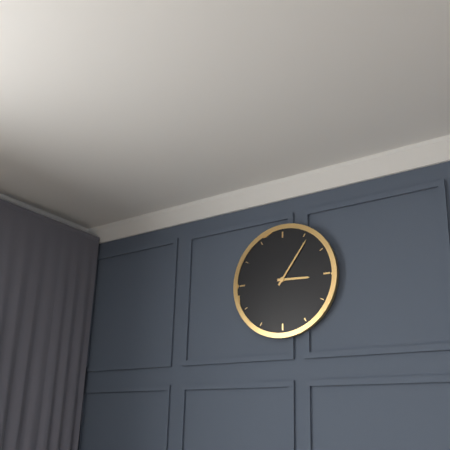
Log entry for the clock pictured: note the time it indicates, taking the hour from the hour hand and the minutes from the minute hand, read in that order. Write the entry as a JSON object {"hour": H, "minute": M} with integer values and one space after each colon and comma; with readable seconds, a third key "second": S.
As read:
{"hour": 3, "minute": 6}
